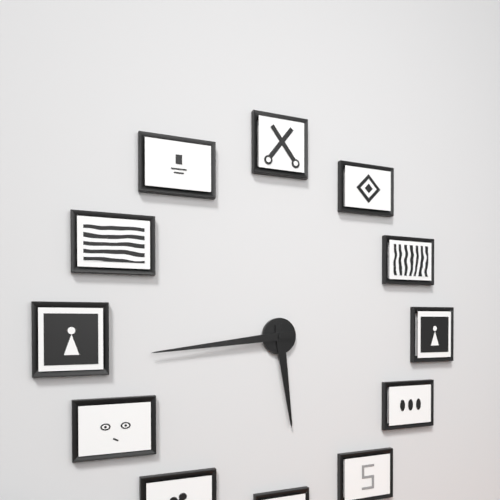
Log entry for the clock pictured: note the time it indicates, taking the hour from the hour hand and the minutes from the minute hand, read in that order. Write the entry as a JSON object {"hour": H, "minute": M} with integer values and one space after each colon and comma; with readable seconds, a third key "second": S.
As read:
{"hour": 5, "minute": 44}
